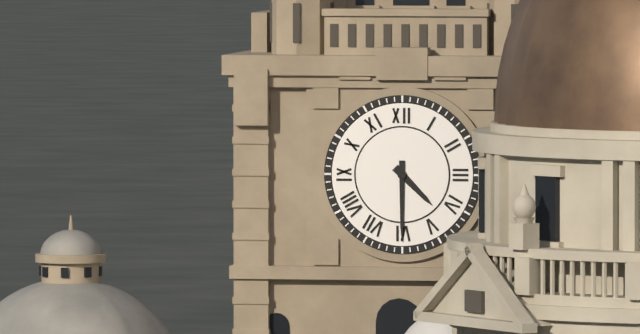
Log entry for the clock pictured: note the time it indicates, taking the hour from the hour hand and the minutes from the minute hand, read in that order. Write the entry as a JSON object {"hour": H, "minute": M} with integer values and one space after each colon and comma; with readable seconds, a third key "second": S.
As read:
{"hour": 4, "minute": 30}
